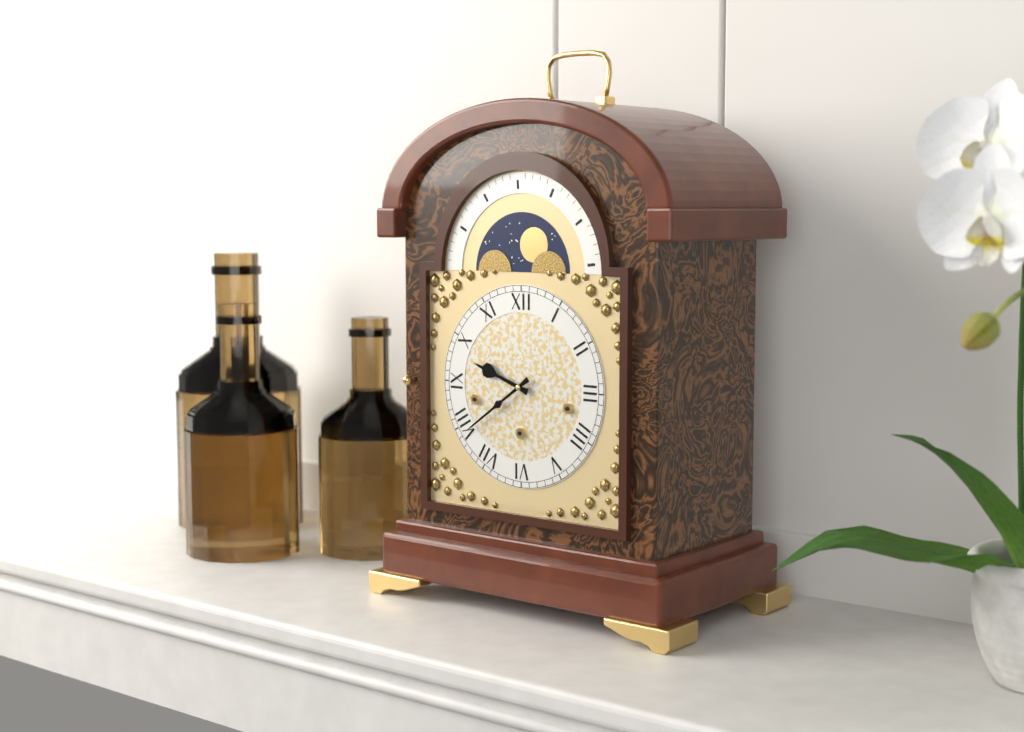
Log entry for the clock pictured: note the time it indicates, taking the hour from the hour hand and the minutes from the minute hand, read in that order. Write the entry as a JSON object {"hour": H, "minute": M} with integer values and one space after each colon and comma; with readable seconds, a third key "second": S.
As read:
{"hour": 9, "minute": 39}
